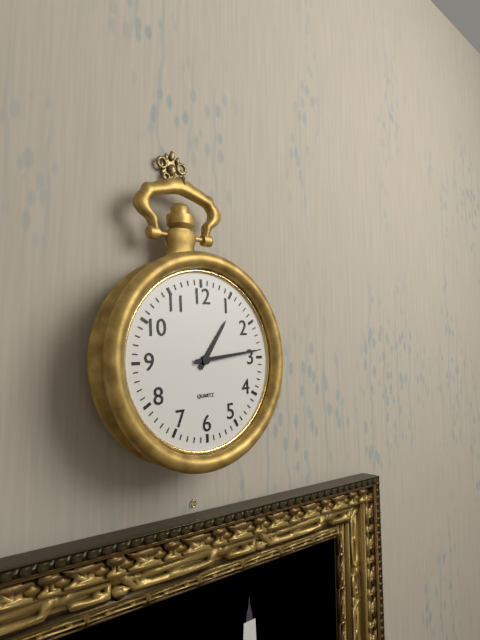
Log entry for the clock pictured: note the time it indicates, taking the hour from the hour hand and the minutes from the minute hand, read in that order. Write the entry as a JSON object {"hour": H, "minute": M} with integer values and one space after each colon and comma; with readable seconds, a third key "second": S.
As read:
{"hour": 1, "minute": 14}
